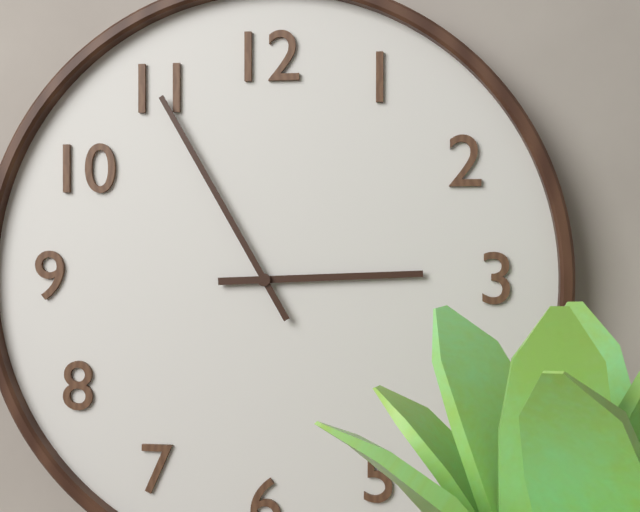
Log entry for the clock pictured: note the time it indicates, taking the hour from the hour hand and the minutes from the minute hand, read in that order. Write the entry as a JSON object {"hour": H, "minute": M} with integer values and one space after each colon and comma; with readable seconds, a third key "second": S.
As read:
{"hour": 2, "minute": 55}
